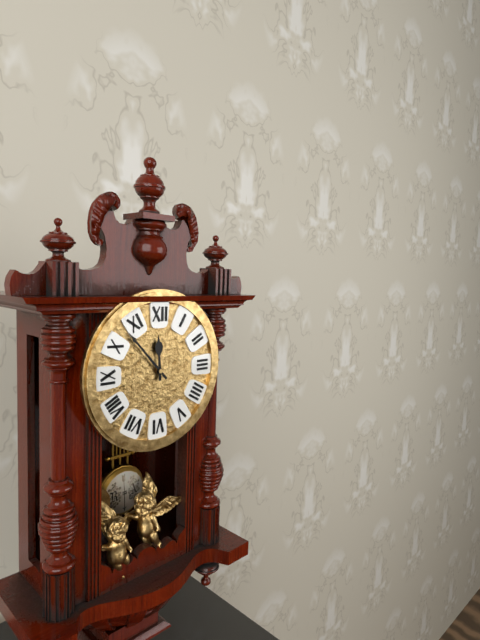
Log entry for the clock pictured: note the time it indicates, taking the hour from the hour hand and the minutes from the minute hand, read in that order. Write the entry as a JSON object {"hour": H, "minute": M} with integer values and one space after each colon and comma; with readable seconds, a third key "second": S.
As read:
{"hour": 11, "minute": 53}
